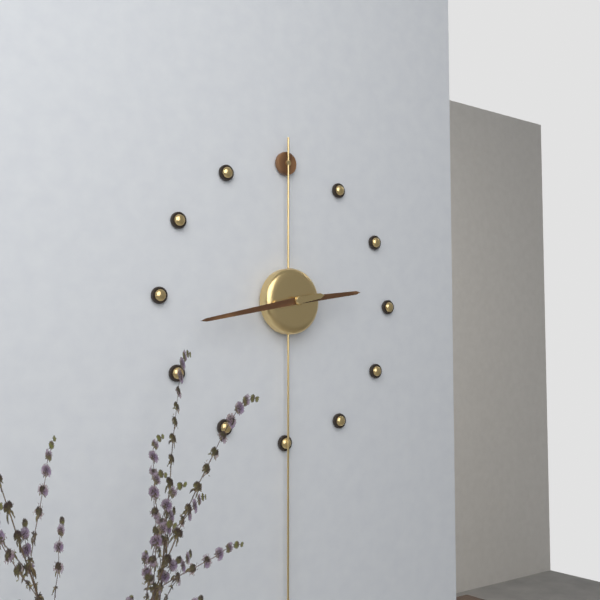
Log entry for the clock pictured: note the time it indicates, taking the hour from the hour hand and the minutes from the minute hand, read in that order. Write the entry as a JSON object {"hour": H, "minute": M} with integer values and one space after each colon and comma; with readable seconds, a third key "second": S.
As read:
{"hour": 2, "minute": 43}
